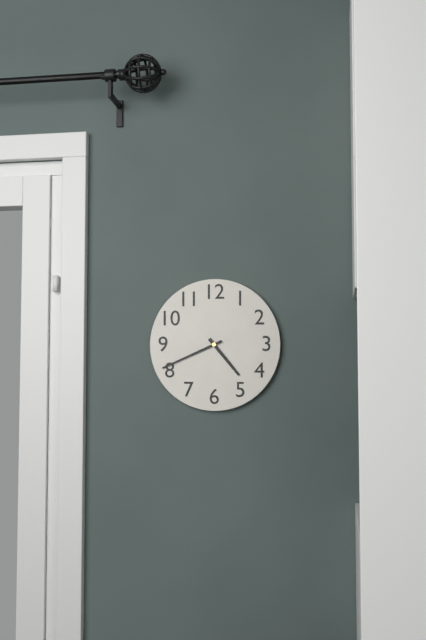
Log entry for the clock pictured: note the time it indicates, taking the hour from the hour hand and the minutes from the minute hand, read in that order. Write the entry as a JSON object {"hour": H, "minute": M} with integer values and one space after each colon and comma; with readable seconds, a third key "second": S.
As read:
{"hour": 4, "minute": 41}
